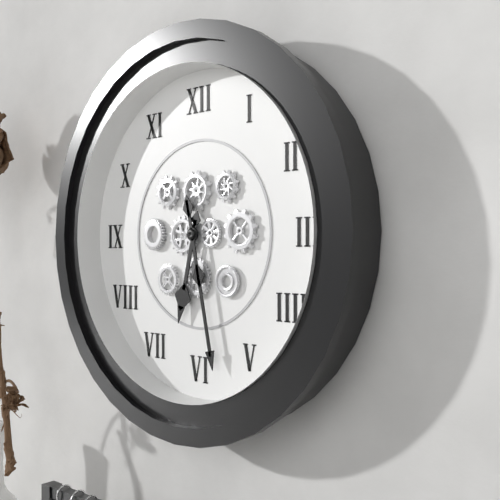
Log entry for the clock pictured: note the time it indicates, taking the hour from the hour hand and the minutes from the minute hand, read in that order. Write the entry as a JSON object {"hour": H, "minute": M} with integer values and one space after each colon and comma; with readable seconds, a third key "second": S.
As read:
{"hour": 6, "minute": 28}
